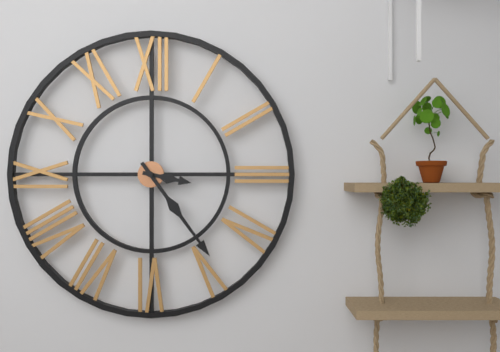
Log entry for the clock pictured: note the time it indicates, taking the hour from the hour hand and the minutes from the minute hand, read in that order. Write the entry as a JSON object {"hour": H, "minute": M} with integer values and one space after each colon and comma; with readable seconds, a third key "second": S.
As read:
{"hour": 3, "minute": 24}
